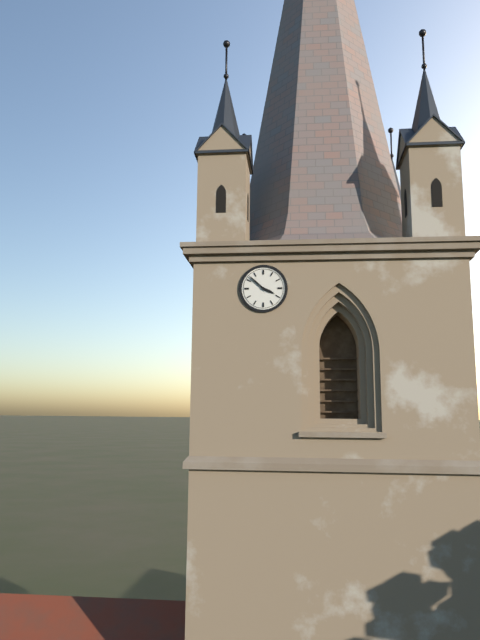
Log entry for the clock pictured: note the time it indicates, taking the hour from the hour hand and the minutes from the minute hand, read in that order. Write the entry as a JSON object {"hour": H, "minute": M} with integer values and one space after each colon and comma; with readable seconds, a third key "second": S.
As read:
{"hour": 3, "minute": 52}
